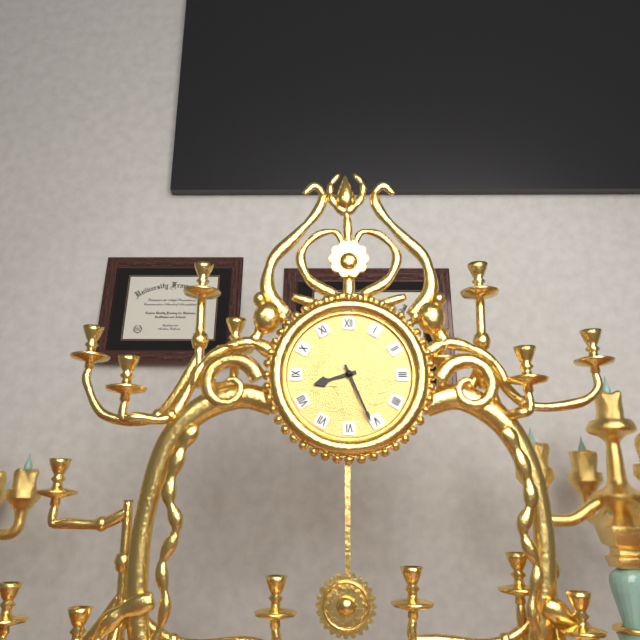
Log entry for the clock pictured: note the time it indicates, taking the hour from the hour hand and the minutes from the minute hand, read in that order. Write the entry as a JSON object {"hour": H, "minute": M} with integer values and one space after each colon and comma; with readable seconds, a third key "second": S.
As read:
{"hour": 8, "minute": 26}
